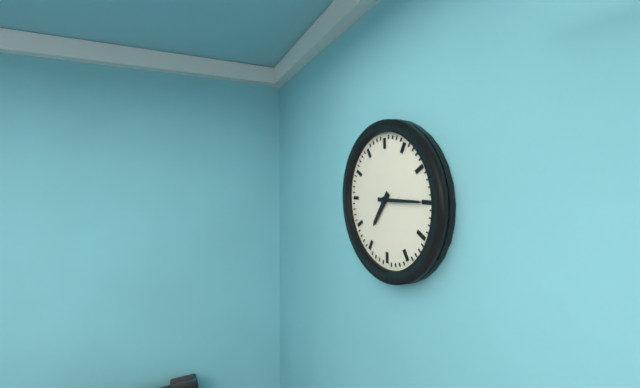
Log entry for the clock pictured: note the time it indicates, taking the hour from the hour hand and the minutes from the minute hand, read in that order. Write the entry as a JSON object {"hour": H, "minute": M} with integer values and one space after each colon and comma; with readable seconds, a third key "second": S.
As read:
{"hour": 7, "minute": 15}
